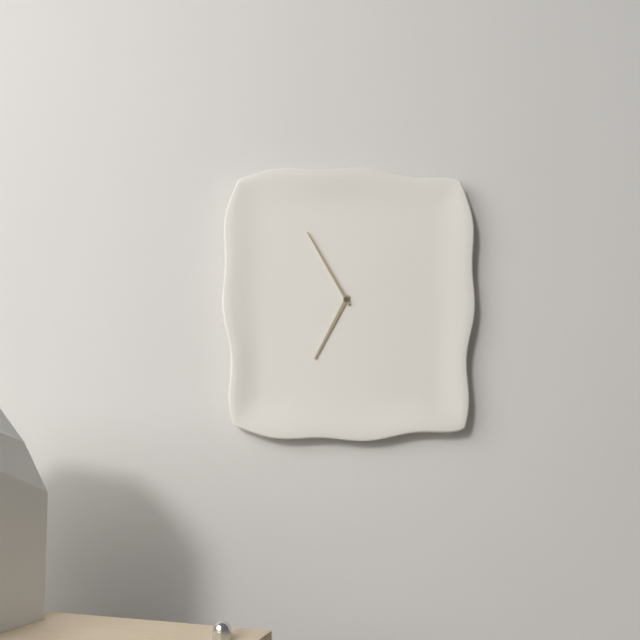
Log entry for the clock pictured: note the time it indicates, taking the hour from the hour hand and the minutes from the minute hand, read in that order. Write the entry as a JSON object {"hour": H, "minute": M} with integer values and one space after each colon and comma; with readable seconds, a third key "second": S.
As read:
{"hour": 6, "minute": 55}
